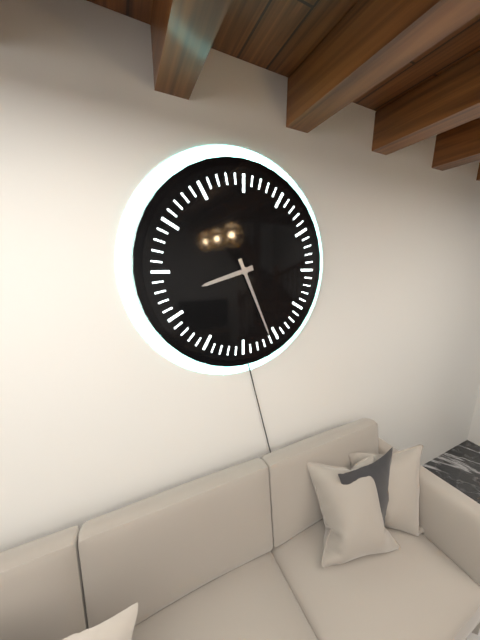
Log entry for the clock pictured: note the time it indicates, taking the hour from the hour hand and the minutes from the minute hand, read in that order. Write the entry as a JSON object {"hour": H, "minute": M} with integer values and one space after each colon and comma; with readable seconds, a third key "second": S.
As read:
{"hour": 8, "minute": 26}
